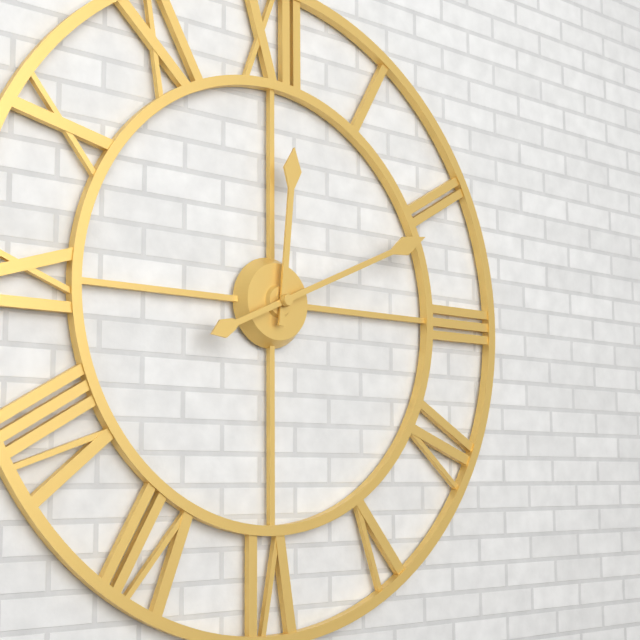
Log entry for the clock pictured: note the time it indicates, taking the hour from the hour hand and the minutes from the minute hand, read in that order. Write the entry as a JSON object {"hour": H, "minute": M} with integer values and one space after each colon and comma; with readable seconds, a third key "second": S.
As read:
{"hour": 12, "minute": 11}
